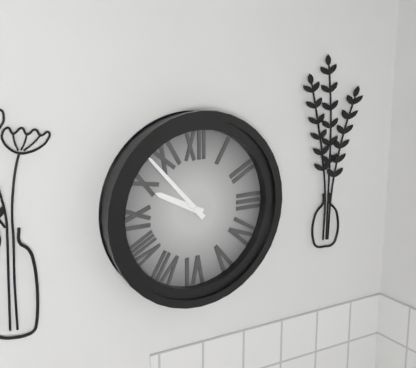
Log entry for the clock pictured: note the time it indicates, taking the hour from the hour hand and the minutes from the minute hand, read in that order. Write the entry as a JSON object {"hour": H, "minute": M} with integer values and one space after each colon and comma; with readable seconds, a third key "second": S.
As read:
{"hour": 9, "minute": 53}
